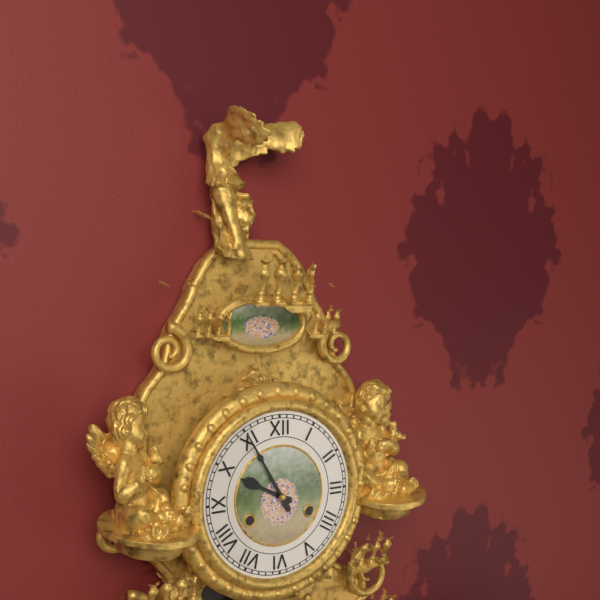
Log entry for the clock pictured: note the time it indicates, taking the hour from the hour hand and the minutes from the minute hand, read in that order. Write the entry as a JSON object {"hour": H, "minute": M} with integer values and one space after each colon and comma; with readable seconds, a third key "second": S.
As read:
{"hour": 9, "minute": 55}
